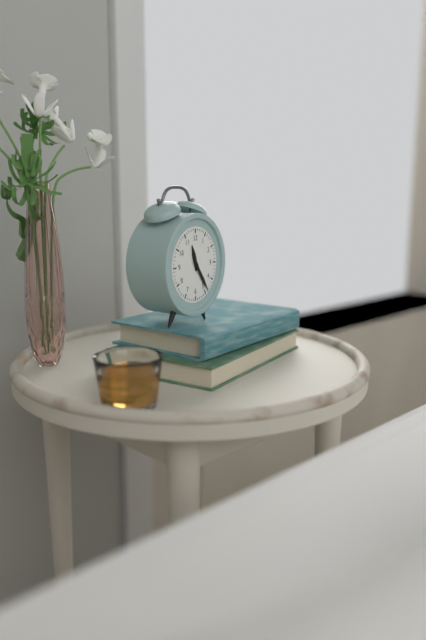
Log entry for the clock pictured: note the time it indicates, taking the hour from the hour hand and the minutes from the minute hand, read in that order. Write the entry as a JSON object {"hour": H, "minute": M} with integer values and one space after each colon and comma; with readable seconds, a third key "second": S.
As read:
{"hour": 11, "minute": 24}
